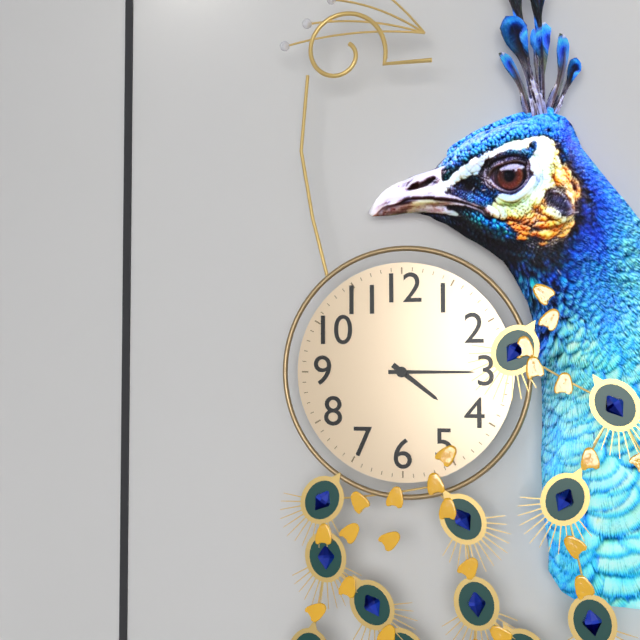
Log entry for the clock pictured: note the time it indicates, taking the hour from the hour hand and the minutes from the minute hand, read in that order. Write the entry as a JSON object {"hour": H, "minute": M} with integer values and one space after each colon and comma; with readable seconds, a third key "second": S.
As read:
{"hour": 4, "minute": 15}
